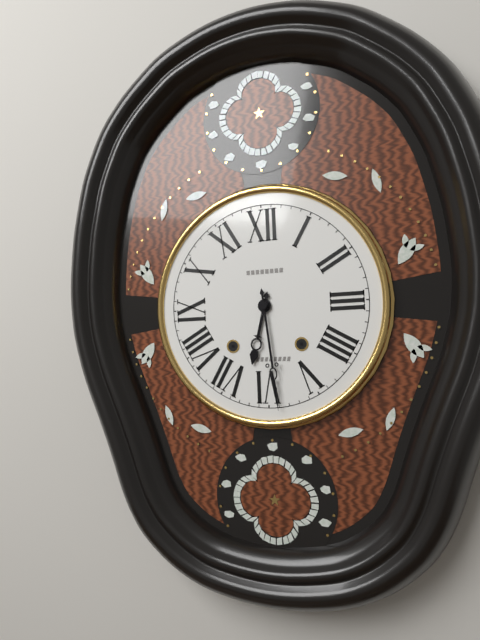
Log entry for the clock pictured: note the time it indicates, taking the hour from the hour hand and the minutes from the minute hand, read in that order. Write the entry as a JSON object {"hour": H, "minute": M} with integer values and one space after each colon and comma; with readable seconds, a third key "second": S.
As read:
{"hour": 6, "minute": 29}
